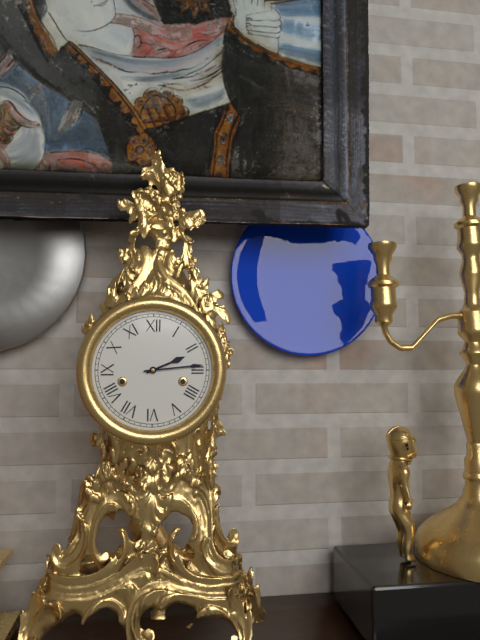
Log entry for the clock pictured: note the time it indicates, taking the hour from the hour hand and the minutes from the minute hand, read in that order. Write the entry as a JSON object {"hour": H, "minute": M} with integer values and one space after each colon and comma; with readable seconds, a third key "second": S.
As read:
{"hour": 2, "minute": 14}
